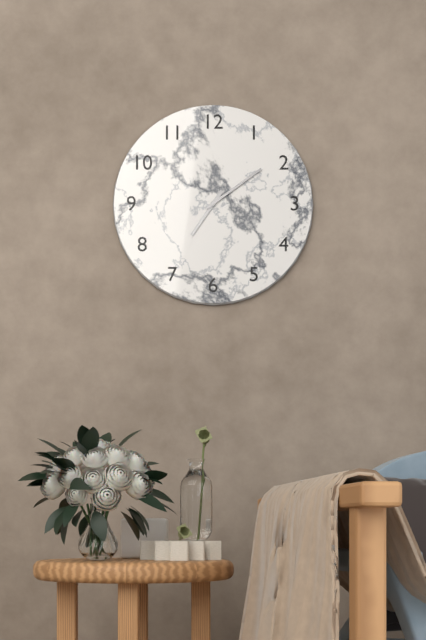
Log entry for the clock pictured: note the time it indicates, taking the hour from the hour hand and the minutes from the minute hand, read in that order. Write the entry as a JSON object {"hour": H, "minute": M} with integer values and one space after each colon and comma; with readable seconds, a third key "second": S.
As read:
{"hour": 7, "minute": 9}
